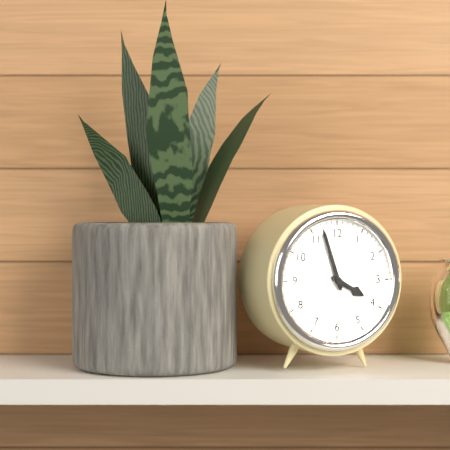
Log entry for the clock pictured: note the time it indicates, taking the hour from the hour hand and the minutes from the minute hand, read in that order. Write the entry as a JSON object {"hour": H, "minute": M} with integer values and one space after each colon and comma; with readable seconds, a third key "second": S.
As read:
{"hour": 3, "minute": 57}
